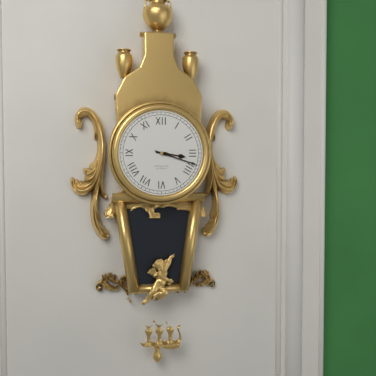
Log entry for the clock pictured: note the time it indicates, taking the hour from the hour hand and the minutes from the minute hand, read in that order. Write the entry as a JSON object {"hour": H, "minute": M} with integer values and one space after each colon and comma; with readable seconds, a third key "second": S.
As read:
{"hour": 3, "minute": 18}
